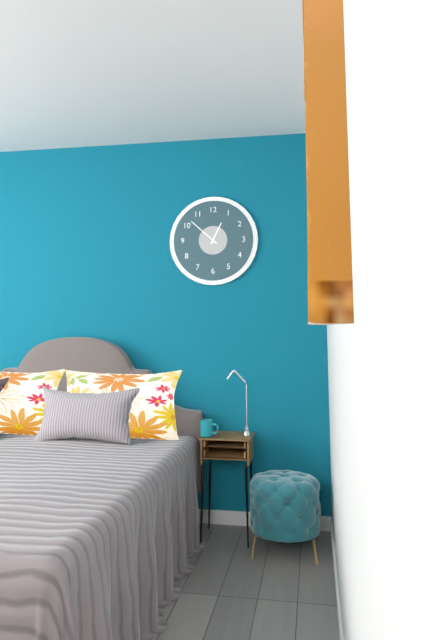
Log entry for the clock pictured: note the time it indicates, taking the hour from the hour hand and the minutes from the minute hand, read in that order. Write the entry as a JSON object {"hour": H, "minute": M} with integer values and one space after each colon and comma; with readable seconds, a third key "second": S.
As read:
{"hour": 12, "minute": 52}
